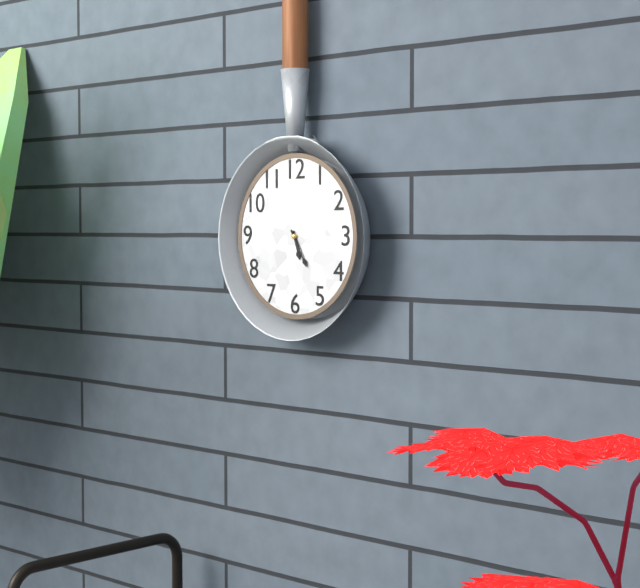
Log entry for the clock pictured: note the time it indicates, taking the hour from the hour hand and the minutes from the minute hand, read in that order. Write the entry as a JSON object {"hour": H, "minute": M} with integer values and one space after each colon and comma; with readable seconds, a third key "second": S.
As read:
{"hour": 5, "minute": 25}
